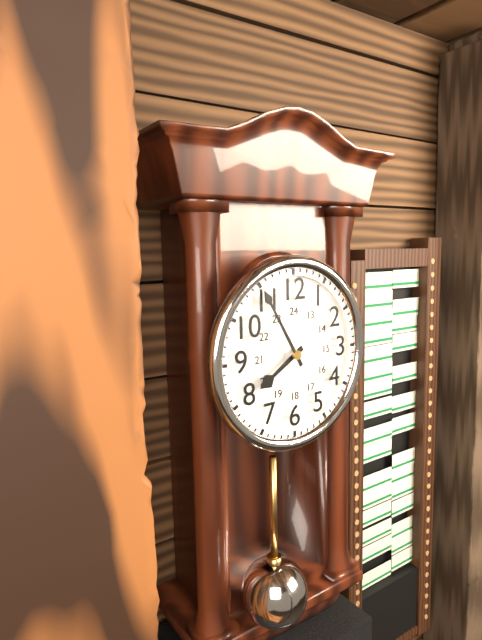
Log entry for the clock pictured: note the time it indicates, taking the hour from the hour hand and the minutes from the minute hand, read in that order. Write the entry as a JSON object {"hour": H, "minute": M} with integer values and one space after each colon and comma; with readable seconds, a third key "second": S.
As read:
{"hour": 7, "minute": 55}
